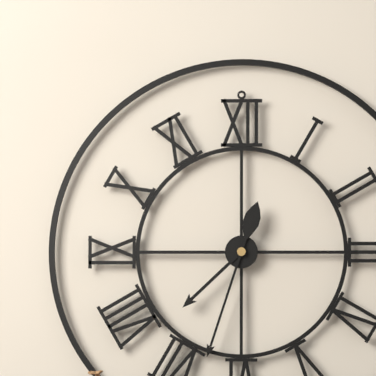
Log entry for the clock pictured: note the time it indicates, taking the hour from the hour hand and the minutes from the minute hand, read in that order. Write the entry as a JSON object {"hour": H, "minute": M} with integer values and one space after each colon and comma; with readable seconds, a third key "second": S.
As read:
{"hour": 7, "minute": 33}
